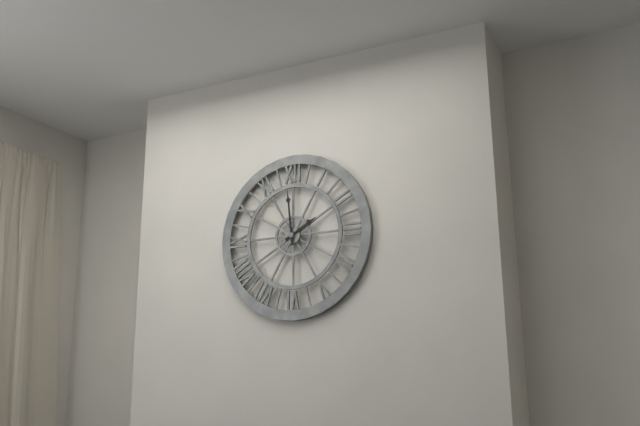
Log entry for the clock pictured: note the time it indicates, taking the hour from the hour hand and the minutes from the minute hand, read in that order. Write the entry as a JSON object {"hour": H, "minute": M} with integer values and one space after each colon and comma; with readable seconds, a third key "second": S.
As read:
{"hour": 1, "minute": 59}
